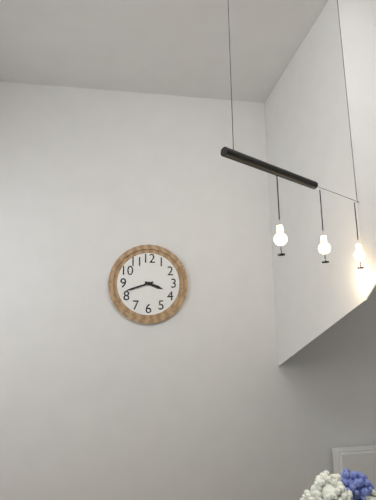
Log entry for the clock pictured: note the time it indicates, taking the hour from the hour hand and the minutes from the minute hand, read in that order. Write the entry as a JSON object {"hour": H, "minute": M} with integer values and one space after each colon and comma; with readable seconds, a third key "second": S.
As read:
{"hour": 3, "minute": 42}
